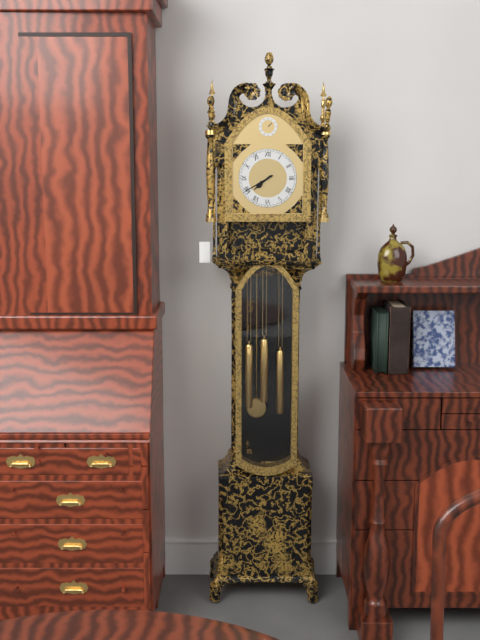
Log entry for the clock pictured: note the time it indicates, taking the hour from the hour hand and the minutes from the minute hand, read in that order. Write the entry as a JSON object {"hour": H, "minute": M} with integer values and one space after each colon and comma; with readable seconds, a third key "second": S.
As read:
{"hour": 7, "minute": 40}
